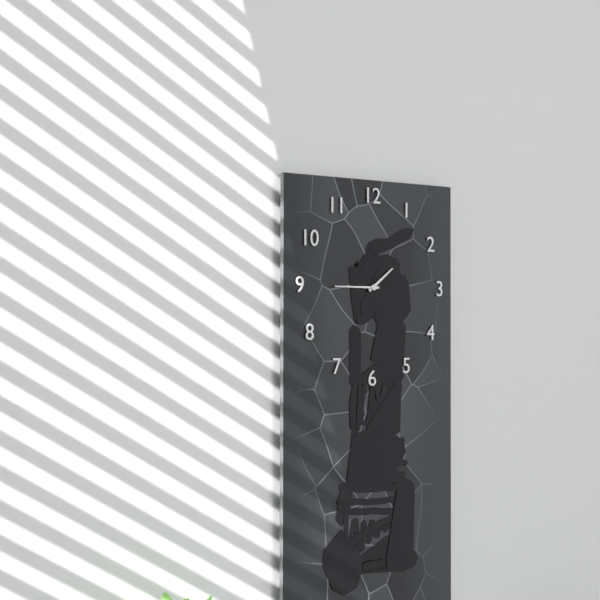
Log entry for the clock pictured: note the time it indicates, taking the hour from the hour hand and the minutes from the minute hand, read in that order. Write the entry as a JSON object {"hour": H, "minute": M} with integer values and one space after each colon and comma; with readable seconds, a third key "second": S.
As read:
{"hour": 1, "minute": 45}
